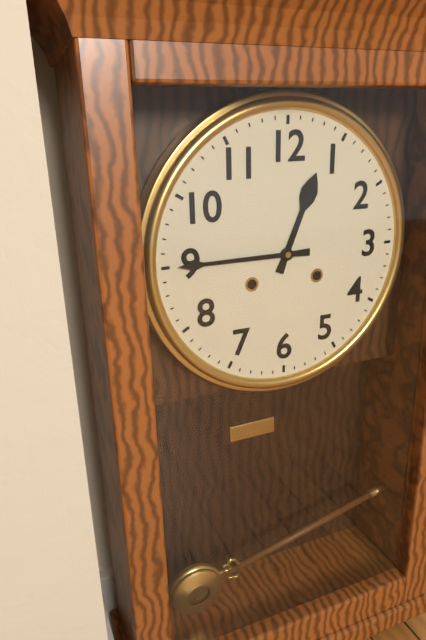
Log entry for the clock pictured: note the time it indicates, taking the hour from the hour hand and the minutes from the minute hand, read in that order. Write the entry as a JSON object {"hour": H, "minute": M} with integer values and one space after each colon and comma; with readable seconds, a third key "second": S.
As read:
{"hour": 12, "minute": 45}
